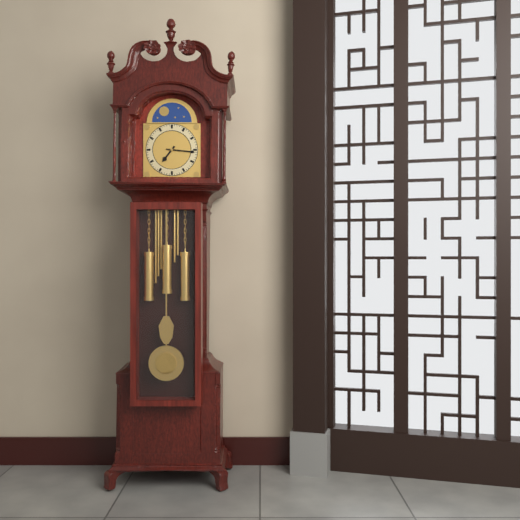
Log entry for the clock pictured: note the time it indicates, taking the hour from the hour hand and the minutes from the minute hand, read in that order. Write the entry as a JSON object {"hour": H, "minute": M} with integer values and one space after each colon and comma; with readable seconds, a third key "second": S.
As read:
{"hour": 7, "minute": 16}
